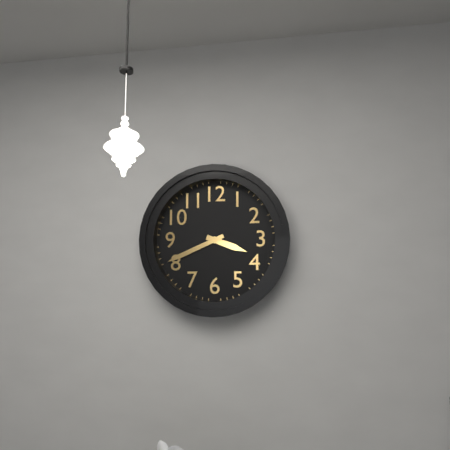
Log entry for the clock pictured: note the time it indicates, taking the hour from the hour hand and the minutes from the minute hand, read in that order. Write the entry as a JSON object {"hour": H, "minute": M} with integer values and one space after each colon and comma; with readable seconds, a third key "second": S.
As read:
{"hour": 3, "minute": 41}
